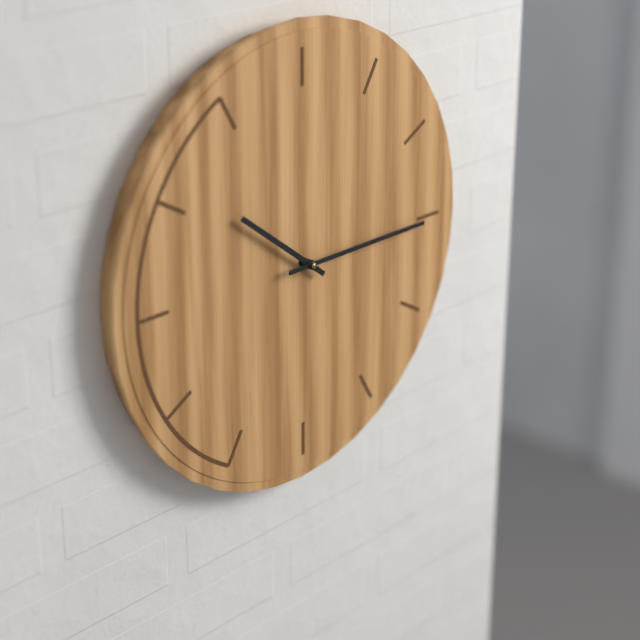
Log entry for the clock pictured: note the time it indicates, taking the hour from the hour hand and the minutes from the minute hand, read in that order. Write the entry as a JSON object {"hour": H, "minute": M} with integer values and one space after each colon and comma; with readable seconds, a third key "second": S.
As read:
{"hour": 10, "minute": 15}
